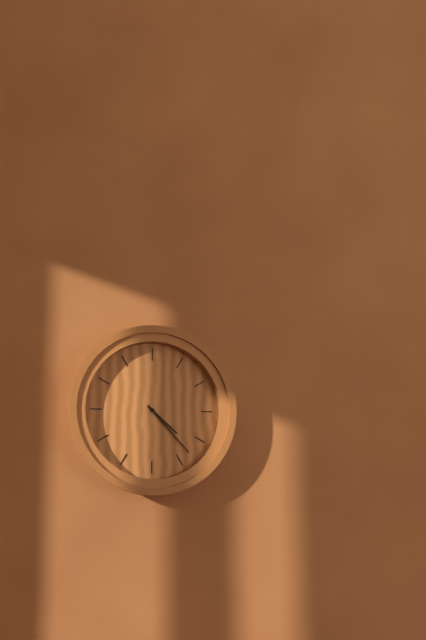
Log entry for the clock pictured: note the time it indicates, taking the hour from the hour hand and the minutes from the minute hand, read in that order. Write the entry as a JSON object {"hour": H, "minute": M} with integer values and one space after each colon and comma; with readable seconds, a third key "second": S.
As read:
{"hour": 4, "minute": 23}
